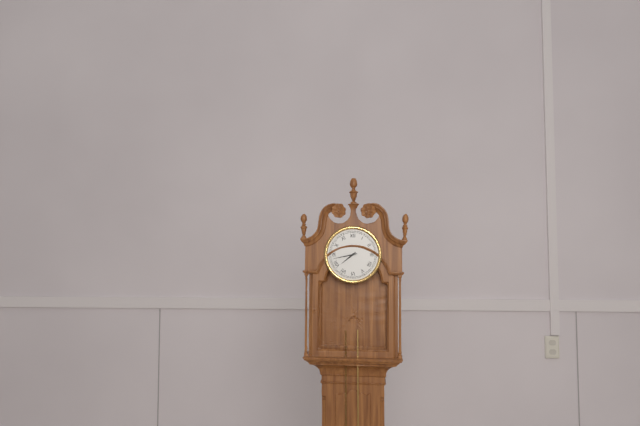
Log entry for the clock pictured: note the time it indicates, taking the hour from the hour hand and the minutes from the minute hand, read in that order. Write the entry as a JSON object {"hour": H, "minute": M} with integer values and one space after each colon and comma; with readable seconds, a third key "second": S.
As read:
{"hour": 7, "minute": 43}
